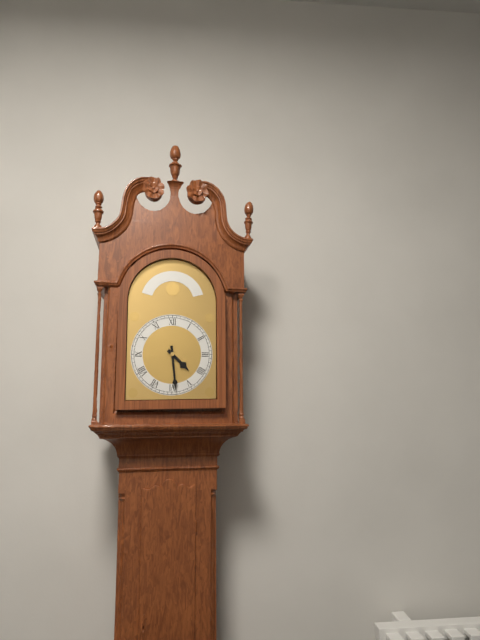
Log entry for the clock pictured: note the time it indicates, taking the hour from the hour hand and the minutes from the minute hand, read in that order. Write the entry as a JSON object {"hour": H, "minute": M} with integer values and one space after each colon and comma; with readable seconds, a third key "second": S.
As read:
{"hour": 4, "minute": 29}
